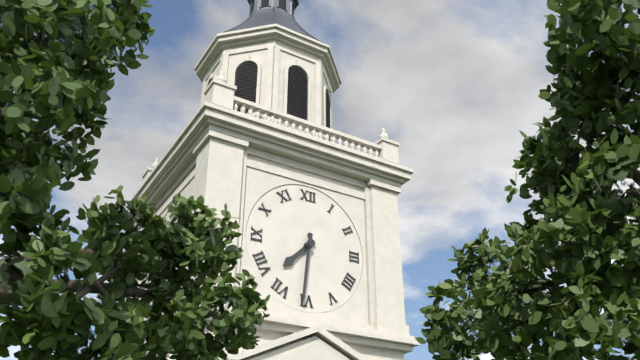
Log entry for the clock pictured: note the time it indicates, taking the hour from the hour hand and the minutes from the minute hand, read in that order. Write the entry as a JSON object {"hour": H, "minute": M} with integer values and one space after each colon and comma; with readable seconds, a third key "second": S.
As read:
{"hour": 7, "minute": 31}
